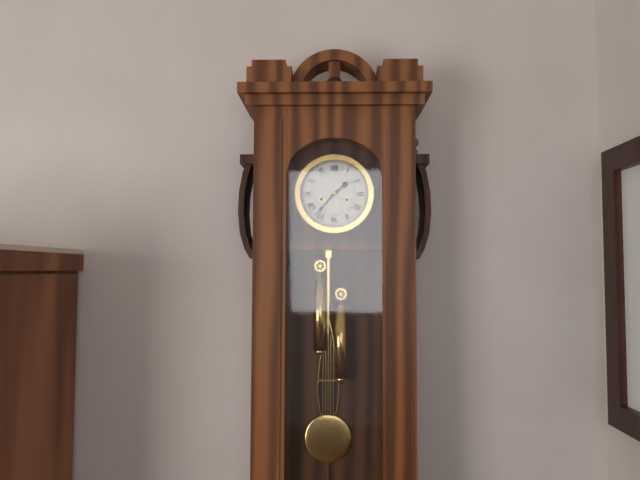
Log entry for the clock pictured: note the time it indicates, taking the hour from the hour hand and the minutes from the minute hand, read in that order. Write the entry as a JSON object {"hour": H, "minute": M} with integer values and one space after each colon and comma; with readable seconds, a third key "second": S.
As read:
{"hour": 1, "minute": 37}
